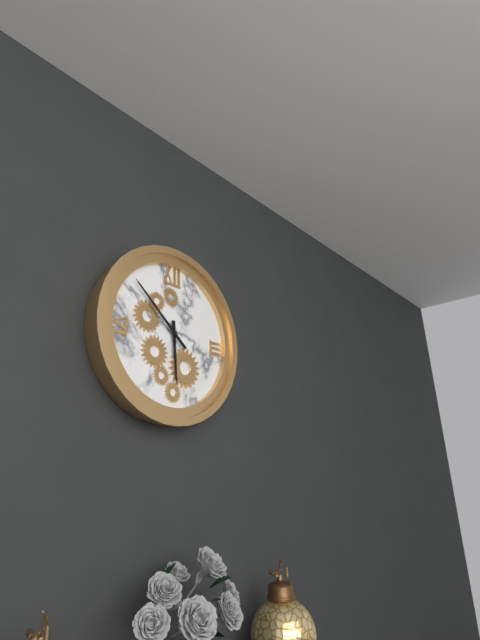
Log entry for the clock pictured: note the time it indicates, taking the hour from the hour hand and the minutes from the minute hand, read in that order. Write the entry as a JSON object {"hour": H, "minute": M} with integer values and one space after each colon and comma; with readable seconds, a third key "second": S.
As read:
{"hour": 5, "minute": 52}
